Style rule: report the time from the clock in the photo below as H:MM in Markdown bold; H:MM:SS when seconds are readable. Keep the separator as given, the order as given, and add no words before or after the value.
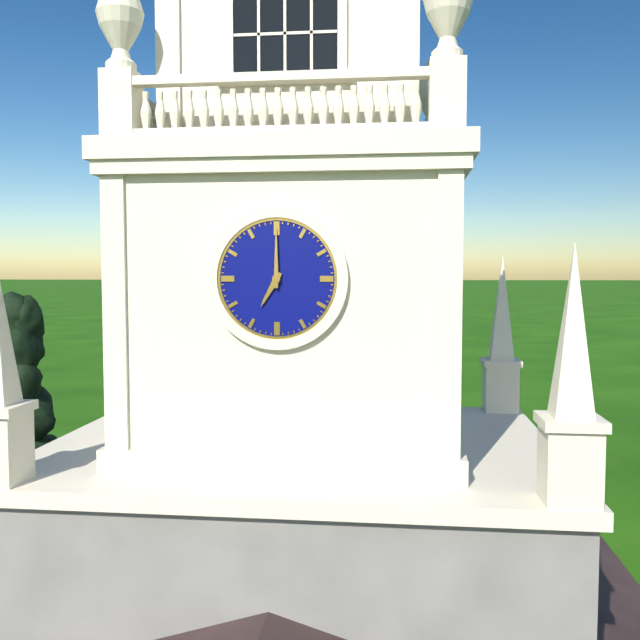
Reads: **7:00**
